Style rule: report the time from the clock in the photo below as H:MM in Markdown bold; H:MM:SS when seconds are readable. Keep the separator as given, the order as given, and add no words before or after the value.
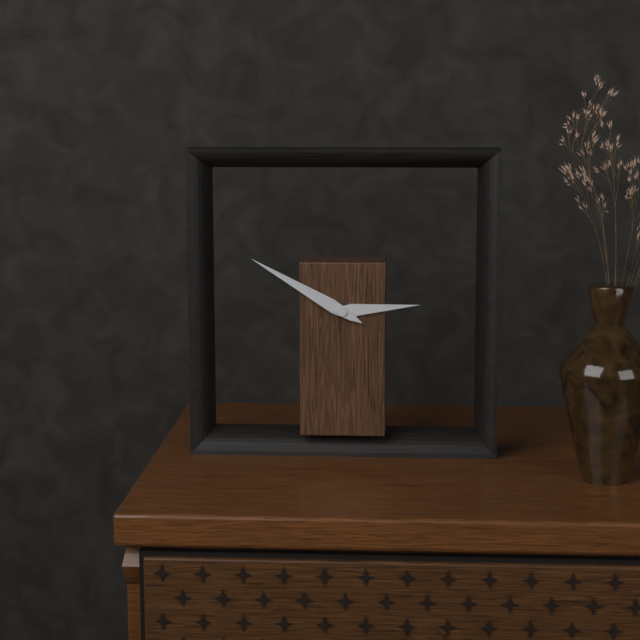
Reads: **2:50**
